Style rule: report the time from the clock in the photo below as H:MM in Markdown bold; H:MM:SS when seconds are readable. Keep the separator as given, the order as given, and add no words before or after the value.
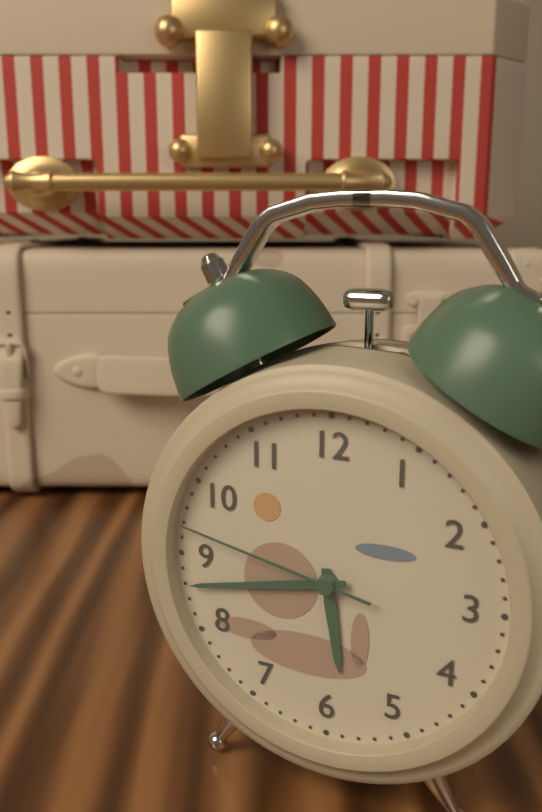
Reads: **5:43:47**
